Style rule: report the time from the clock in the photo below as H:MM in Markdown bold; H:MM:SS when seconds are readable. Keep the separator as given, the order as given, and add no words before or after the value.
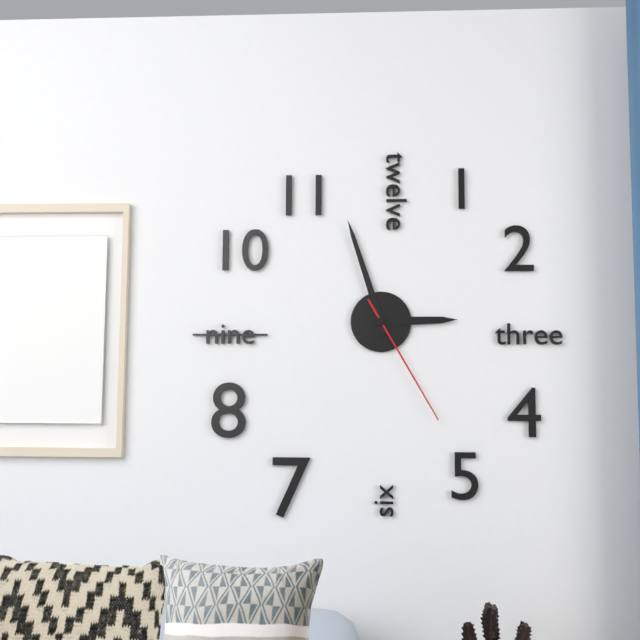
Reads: **2:57:25**
